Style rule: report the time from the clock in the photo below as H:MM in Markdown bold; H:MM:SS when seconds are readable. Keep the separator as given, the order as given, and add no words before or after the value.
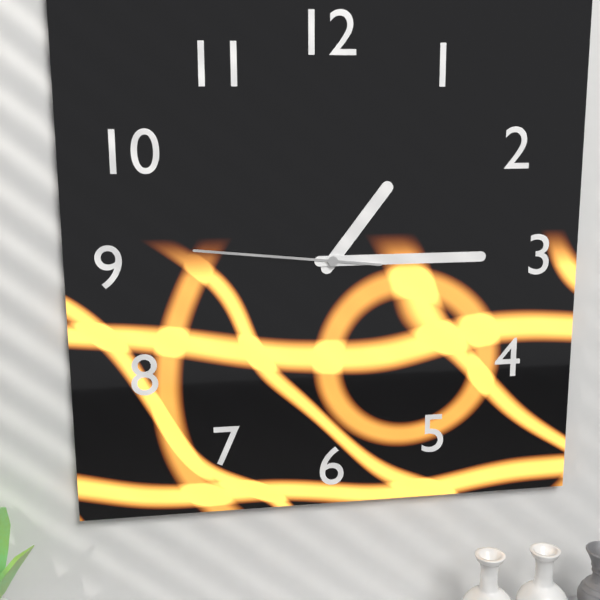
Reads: **1:15:46**
